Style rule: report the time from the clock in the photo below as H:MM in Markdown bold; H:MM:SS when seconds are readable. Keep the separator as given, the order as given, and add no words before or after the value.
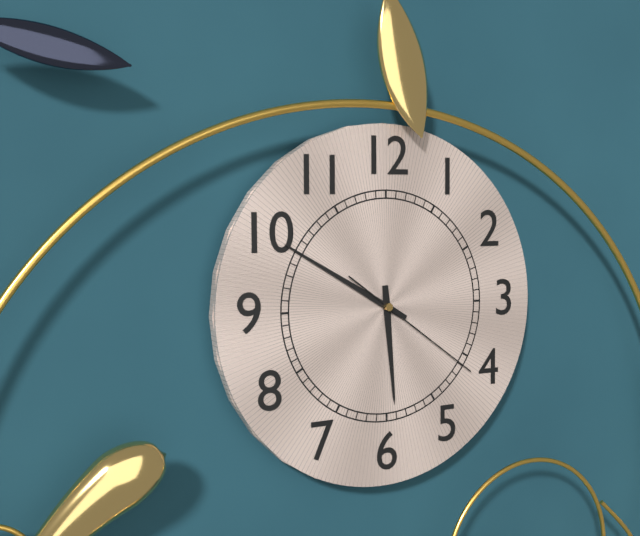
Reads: **5:50:21**
